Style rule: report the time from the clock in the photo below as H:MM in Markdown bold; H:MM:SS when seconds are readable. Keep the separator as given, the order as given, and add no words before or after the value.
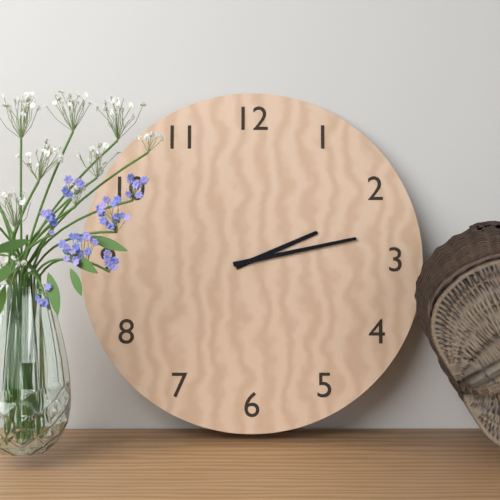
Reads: **2:13**
